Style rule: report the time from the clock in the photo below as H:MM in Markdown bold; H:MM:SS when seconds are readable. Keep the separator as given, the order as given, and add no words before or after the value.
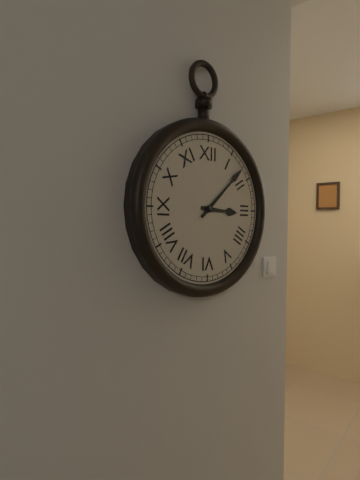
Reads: **3:08**
